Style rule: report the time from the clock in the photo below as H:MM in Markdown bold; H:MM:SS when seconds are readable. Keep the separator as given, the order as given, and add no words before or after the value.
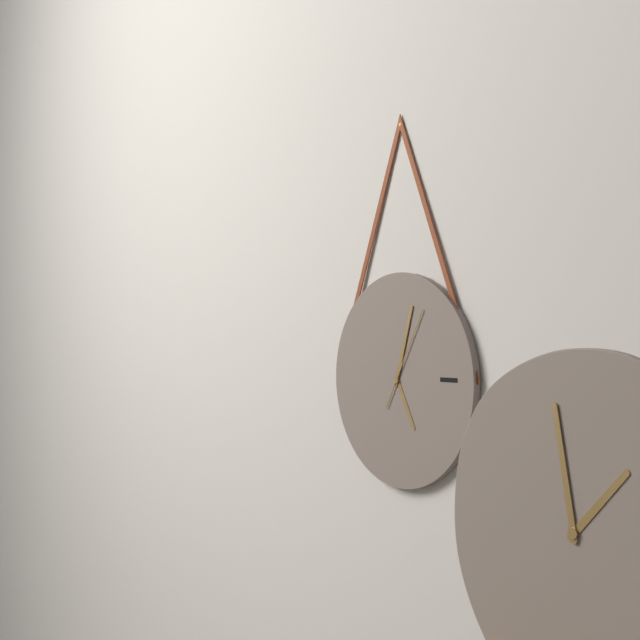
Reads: **5:03:05**
